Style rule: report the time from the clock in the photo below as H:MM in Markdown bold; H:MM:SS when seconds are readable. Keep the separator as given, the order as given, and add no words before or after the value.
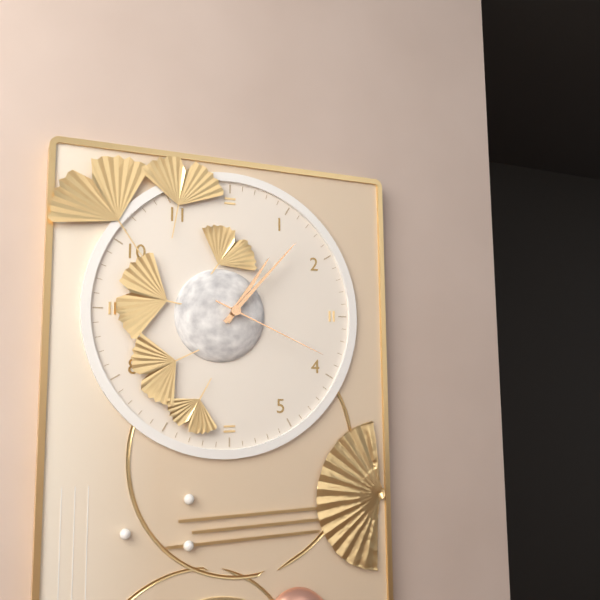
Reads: **1:07:19**
